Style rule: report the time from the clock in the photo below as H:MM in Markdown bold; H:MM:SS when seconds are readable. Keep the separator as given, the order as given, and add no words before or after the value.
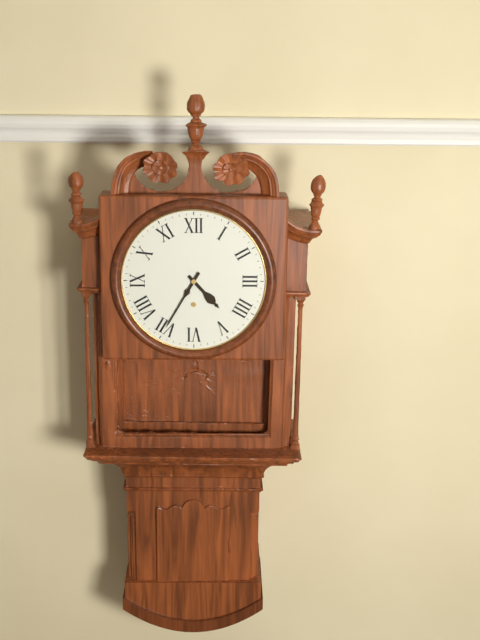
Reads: **4:35**
